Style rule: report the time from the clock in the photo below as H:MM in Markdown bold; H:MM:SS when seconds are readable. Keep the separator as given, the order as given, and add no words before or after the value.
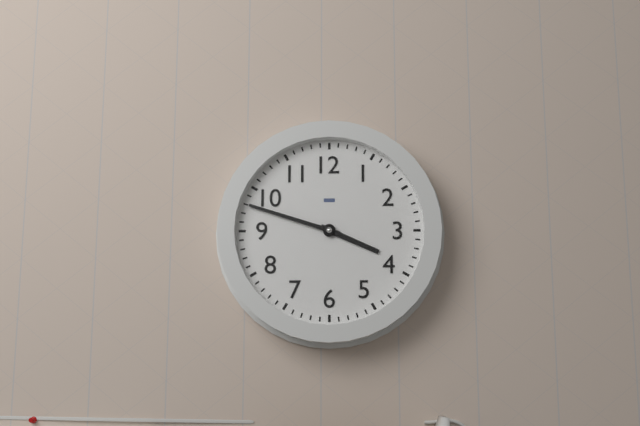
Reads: **3:48**
